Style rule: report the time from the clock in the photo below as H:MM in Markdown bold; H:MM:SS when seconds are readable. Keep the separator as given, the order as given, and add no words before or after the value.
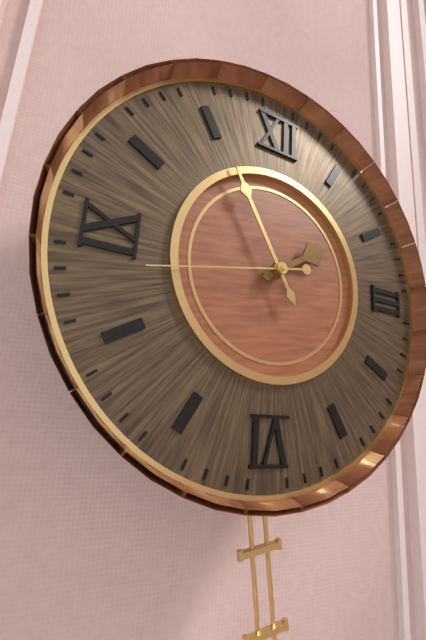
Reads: **1:55:43**
